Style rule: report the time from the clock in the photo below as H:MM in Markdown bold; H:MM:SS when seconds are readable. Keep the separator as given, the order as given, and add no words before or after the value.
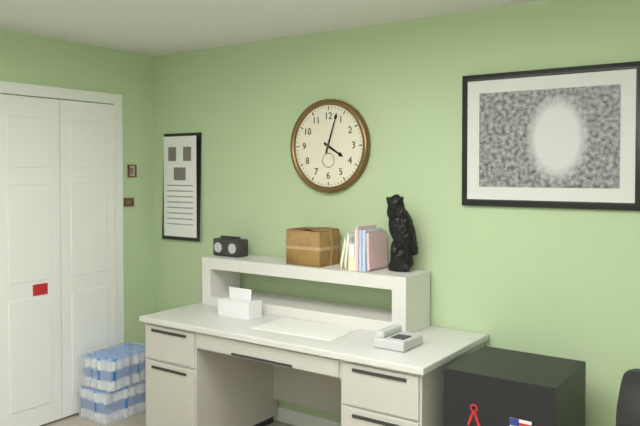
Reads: **4:03**
